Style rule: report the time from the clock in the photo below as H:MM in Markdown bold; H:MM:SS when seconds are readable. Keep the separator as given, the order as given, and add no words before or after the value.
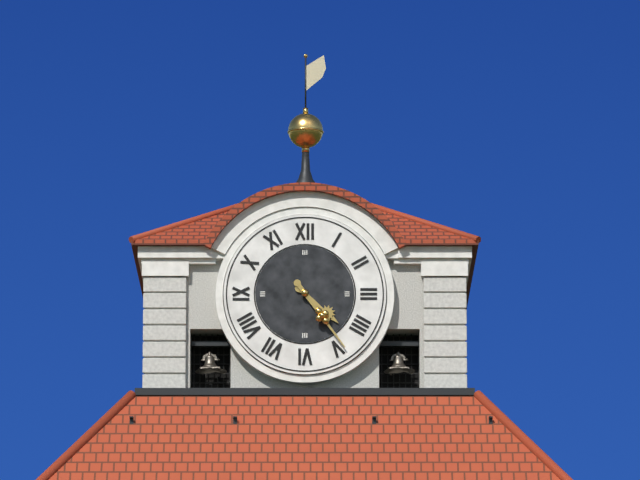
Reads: **4:24**
